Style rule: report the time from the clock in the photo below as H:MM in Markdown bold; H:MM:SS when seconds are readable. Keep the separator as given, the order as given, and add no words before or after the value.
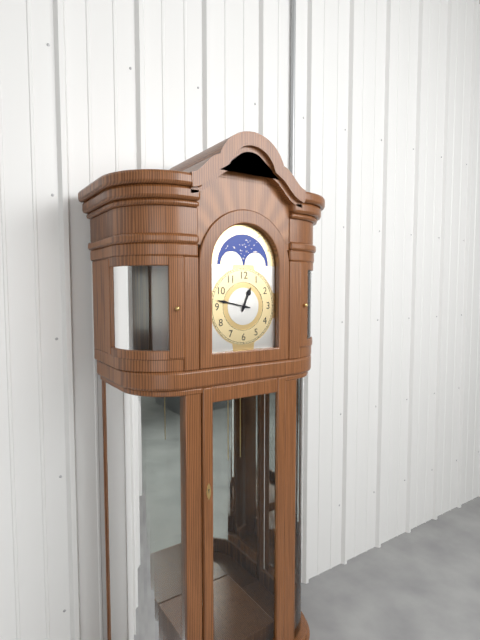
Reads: **12:47**
